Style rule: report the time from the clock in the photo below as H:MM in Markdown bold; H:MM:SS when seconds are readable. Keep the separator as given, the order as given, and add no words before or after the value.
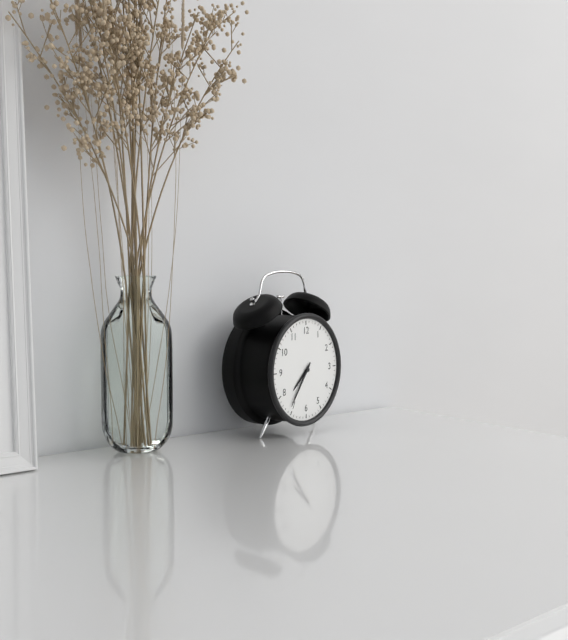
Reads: **7:36**
